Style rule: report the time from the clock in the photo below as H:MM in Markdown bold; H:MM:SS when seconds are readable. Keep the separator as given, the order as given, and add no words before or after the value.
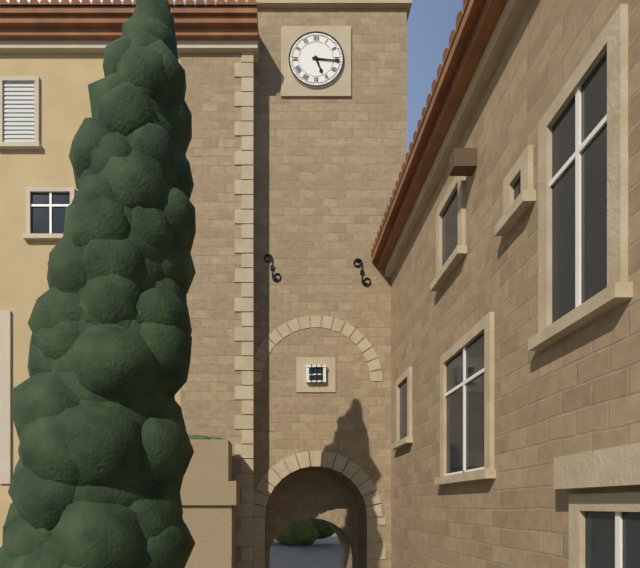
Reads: **5:16**
